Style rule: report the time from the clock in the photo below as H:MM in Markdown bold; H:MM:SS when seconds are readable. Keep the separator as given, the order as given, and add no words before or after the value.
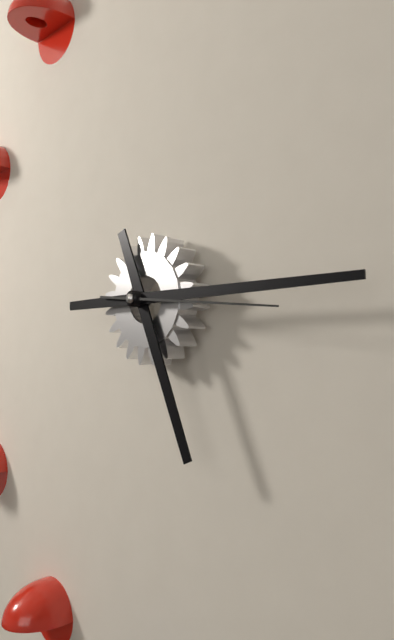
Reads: **5:15:16**
